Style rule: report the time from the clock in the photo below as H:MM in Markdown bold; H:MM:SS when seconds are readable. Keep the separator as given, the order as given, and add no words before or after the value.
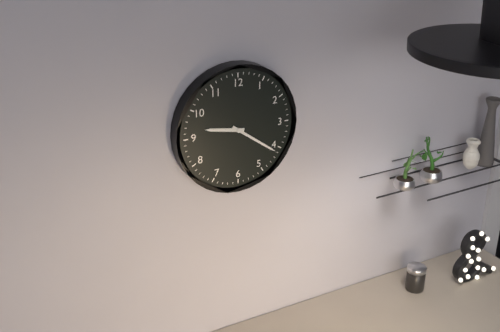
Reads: **9:21**
